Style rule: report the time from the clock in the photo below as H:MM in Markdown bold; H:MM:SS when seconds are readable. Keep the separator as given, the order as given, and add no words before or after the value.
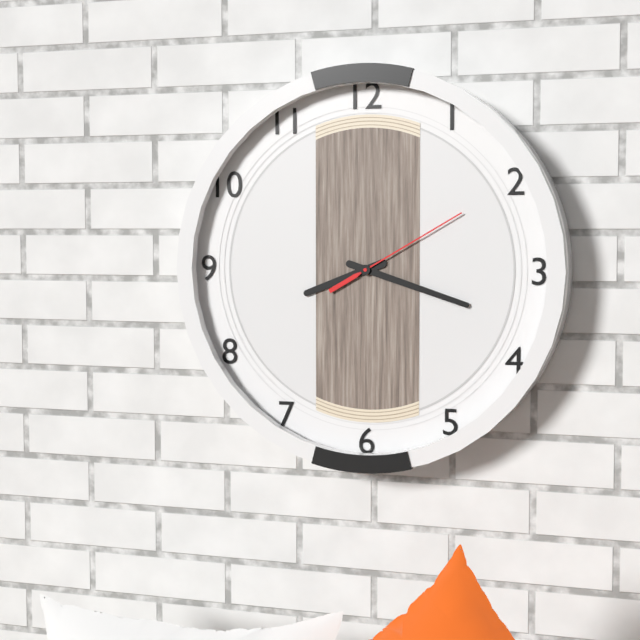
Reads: **8:18:10**
